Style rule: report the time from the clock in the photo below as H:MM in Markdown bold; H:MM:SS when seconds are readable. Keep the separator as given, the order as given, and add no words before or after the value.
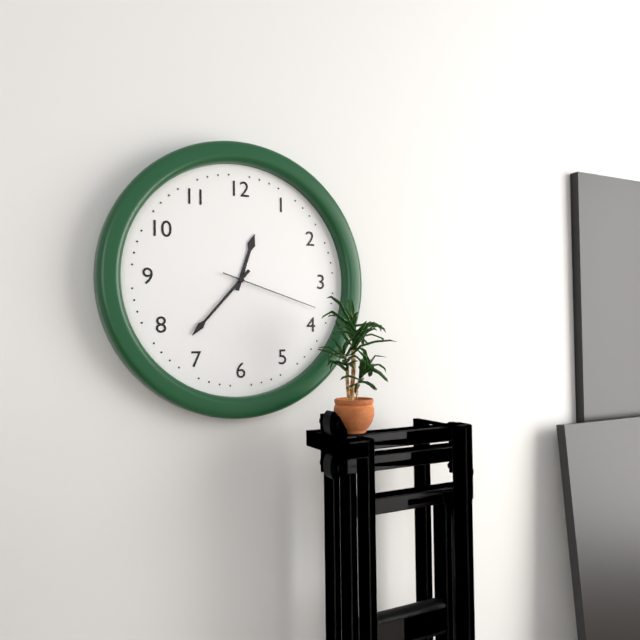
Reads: **12:37:18**
